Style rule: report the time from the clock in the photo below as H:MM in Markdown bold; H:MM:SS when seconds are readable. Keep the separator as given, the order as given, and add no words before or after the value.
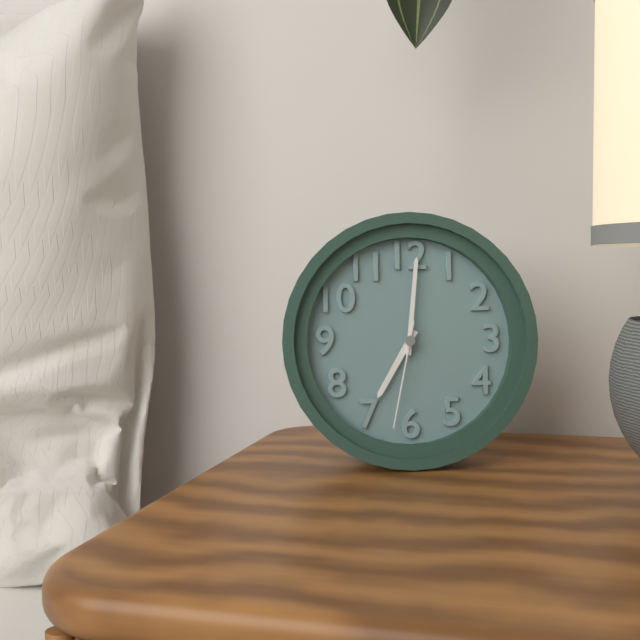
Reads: **7:01:32**
